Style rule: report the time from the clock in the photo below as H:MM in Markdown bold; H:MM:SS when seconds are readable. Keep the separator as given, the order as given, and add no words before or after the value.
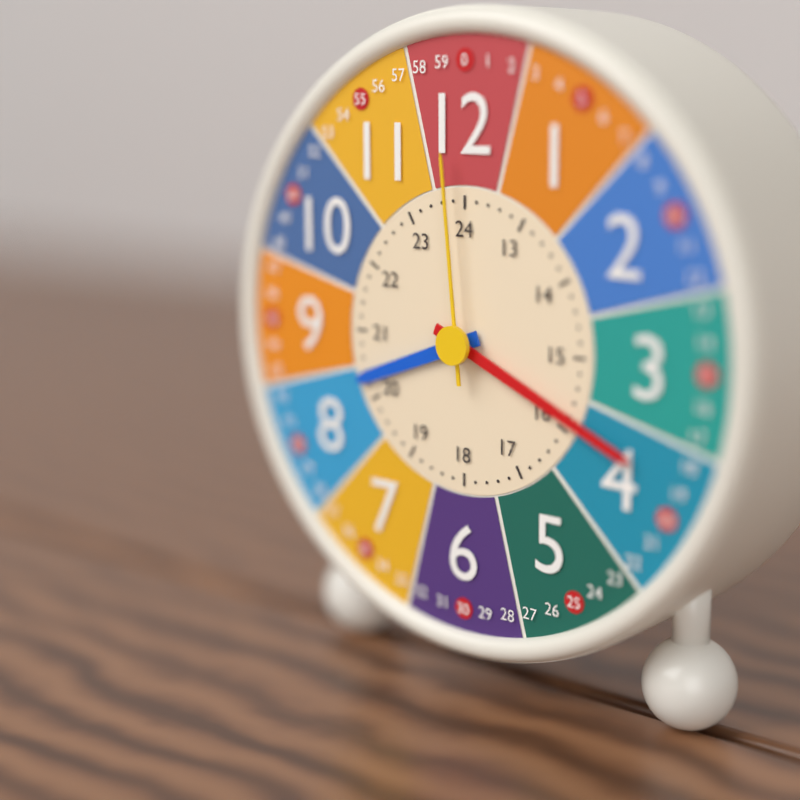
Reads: **8:19:59**
